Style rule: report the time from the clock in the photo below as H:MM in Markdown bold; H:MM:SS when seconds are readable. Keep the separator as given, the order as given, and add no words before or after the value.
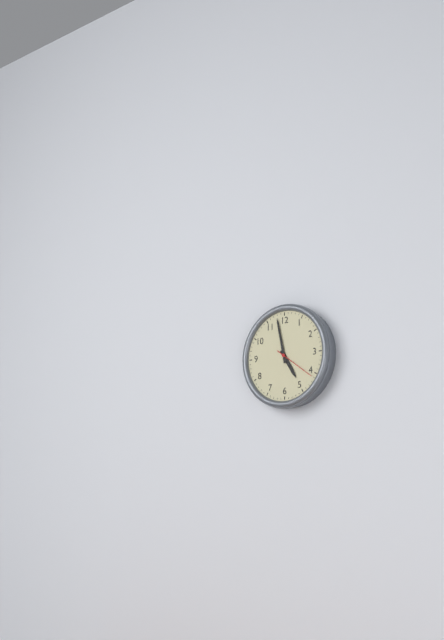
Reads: **4:58**
